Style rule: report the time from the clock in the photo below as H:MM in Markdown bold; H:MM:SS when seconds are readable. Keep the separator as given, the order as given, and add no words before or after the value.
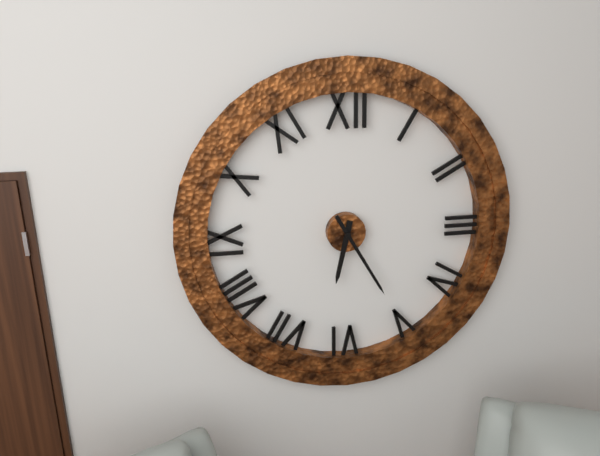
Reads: **6:25**
